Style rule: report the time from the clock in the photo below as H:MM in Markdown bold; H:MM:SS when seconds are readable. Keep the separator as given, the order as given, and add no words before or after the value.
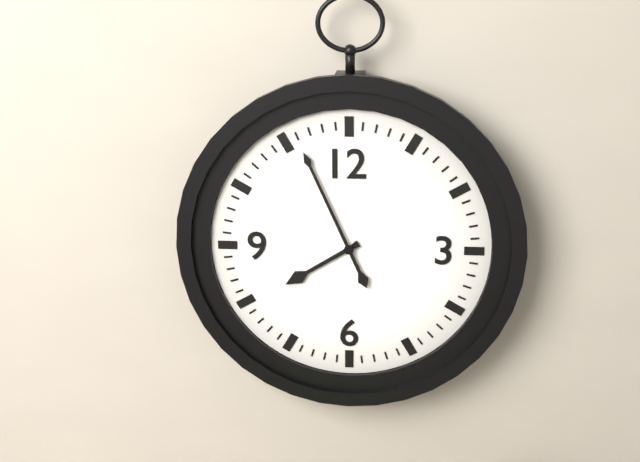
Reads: **7:56**
